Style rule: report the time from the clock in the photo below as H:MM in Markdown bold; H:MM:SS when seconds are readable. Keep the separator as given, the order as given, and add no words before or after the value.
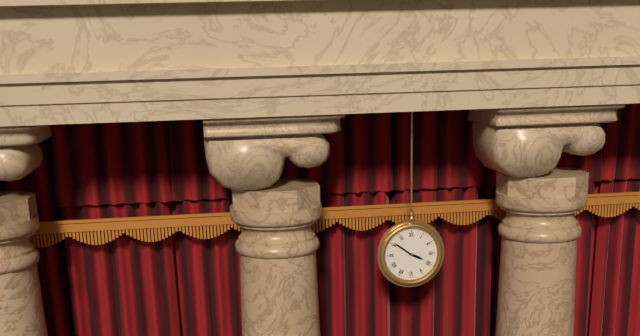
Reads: **3:51**
